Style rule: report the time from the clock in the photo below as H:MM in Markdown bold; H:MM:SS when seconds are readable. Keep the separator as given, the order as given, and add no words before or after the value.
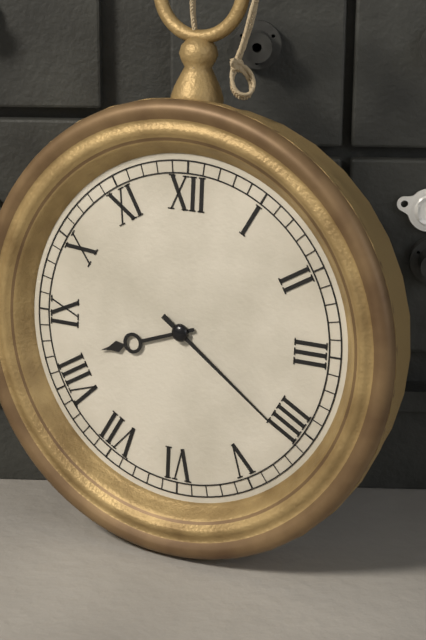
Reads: **8:21**
